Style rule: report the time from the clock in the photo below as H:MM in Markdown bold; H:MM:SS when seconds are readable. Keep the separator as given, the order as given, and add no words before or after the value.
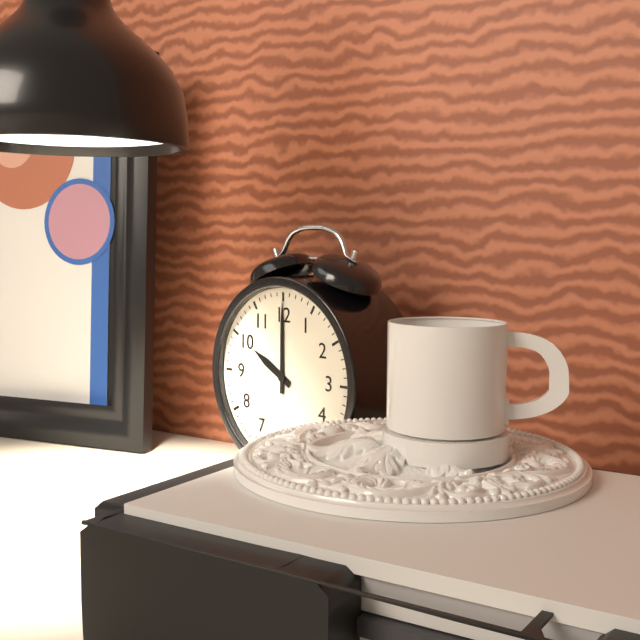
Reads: **10:00**
